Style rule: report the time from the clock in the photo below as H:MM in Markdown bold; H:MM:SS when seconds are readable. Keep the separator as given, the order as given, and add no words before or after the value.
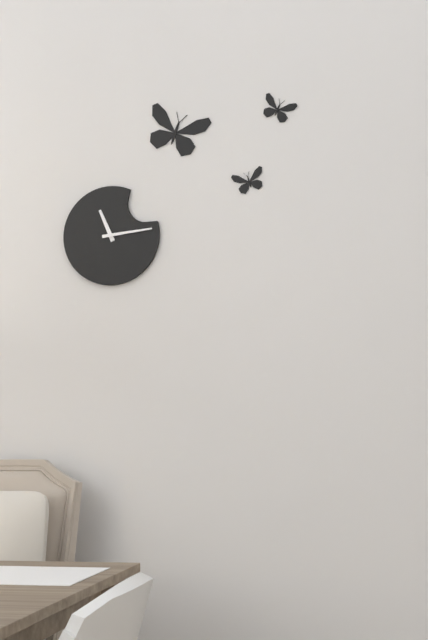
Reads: **11:14**
